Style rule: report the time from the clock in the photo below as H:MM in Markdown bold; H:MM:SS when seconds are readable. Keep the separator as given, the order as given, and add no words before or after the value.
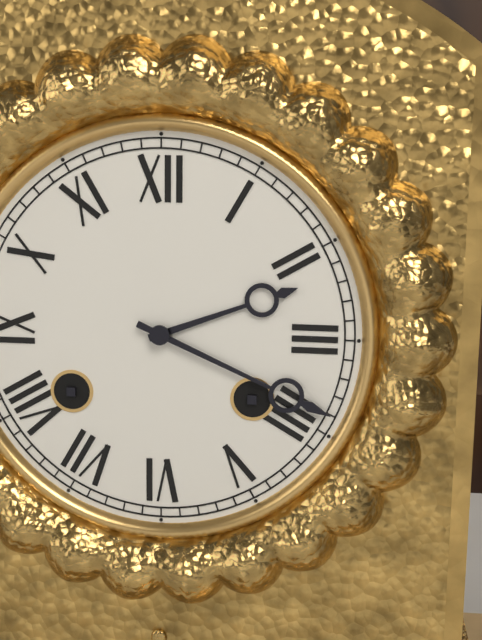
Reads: **2:19**
